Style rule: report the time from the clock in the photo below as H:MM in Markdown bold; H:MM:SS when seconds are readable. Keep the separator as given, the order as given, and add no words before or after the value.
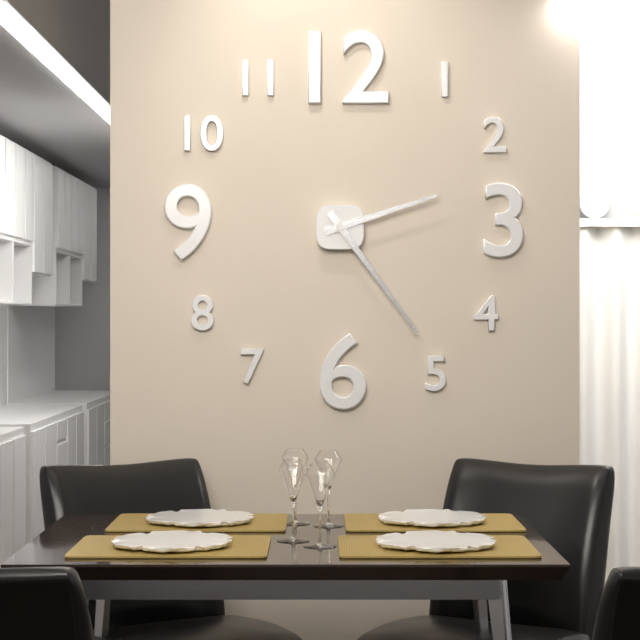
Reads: **2:24**
